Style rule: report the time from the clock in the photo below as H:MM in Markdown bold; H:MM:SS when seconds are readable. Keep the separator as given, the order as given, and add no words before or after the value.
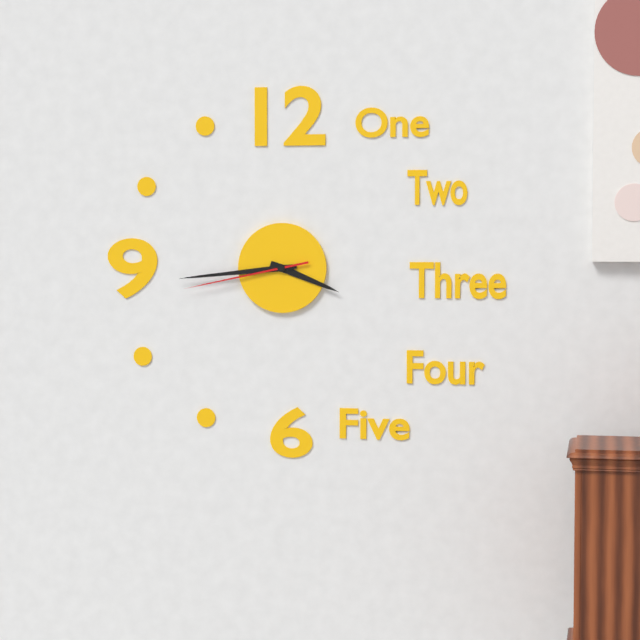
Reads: **3:44:43**
